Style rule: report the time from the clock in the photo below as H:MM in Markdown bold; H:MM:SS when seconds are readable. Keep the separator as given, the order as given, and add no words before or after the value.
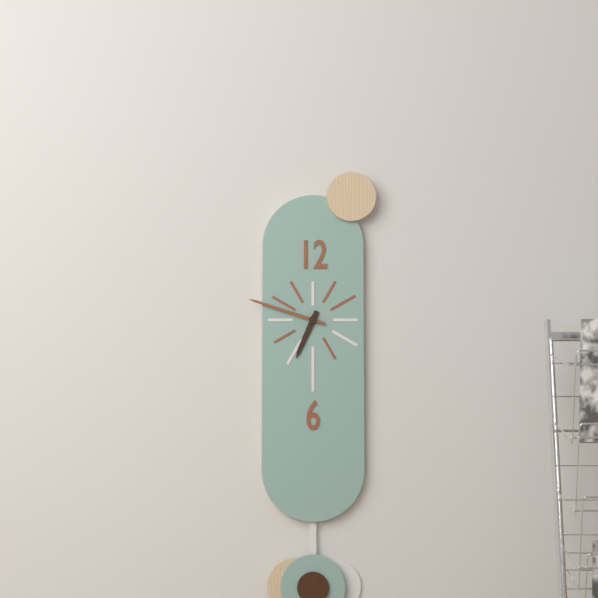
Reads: **6:48**
